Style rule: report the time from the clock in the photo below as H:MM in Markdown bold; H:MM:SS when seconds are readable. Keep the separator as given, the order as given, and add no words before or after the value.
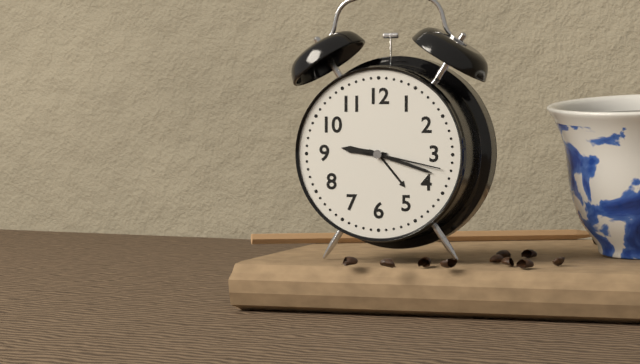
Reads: **9:18:17**
